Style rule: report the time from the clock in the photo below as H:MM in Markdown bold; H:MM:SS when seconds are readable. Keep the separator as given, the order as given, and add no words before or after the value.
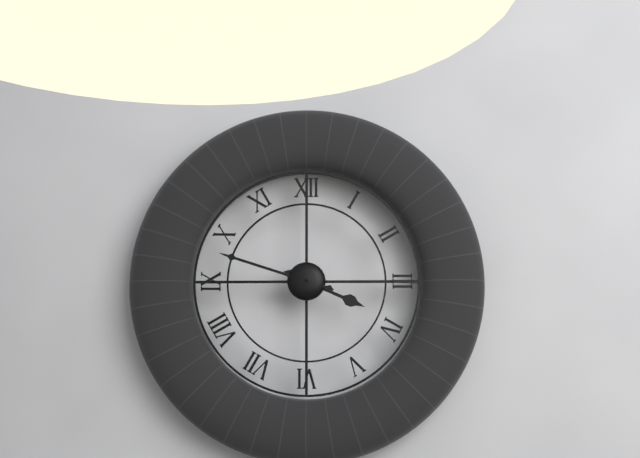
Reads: **3:48**
